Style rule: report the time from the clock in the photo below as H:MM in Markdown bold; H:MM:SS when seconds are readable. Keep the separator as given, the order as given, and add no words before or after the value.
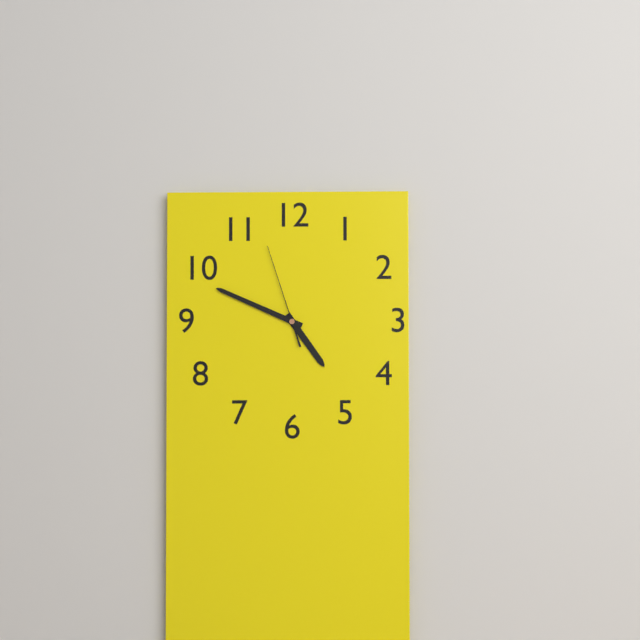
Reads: **4:49:57**
